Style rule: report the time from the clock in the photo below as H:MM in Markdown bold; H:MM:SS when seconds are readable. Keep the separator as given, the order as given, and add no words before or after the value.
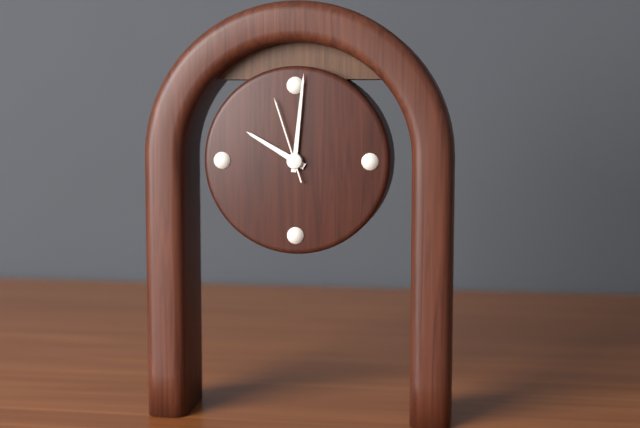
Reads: **10:01:57**
